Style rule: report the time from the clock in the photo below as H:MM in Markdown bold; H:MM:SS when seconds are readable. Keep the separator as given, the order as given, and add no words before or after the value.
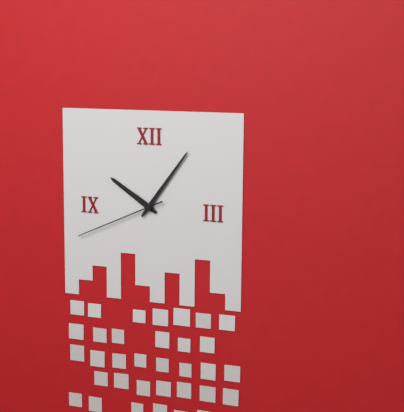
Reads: **10:06:41**
